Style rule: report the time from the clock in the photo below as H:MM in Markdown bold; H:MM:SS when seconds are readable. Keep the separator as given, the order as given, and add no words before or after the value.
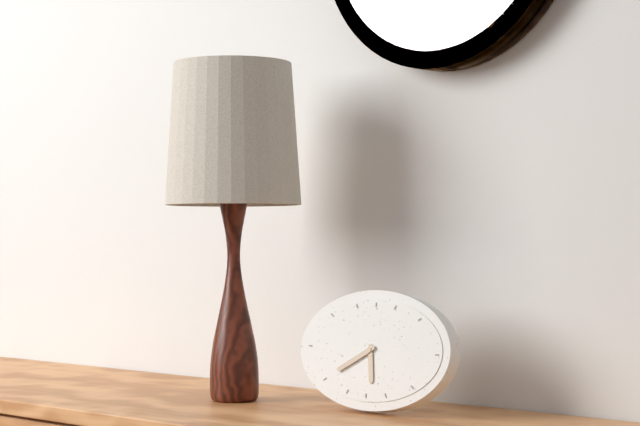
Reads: **5:40**
